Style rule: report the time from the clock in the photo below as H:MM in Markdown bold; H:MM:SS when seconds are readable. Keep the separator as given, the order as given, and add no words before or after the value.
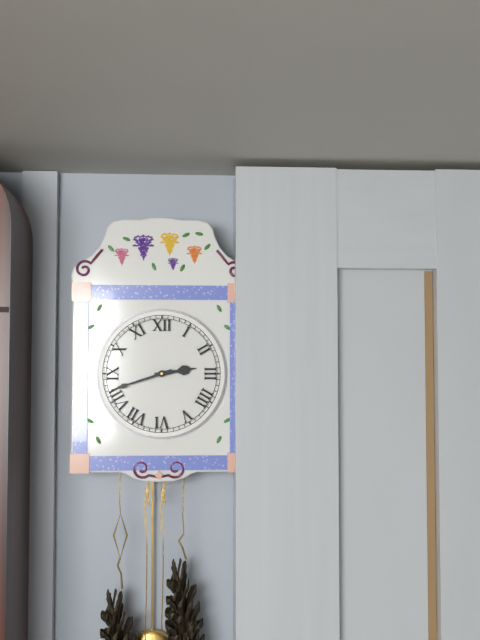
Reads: **2:42**
